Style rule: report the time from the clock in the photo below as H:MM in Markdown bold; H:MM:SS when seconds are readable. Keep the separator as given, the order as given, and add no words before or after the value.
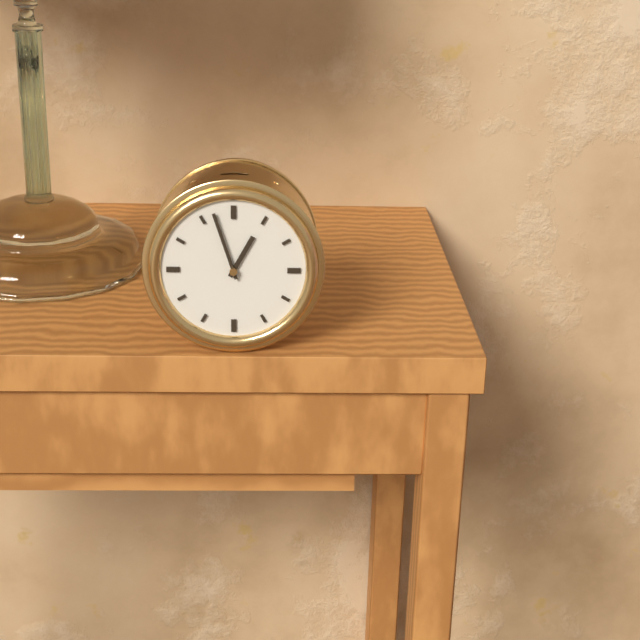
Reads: **12:57**
